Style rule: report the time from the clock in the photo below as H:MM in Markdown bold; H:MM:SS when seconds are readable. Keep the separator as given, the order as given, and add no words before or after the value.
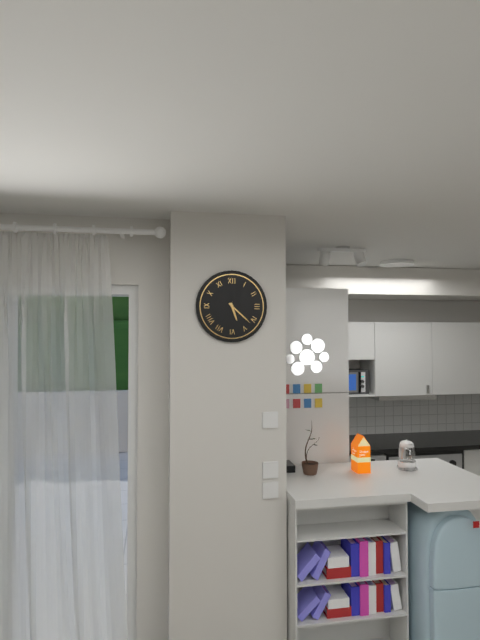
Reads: **5:22**
